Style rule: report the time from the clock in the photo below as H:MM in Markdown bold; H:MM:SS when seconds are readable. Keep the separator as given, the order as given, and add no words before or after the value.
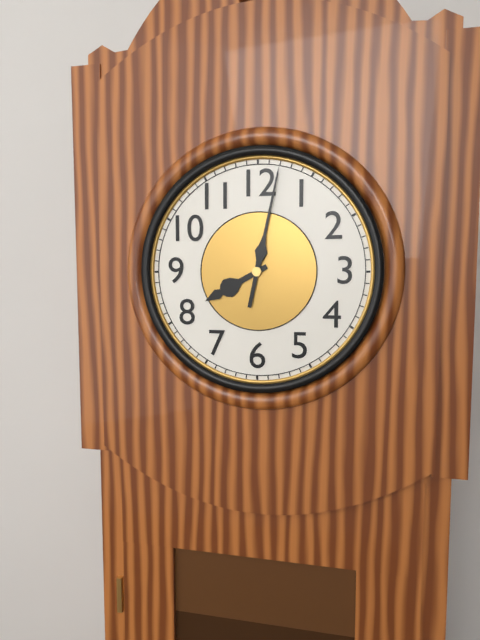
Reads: **8:02**
